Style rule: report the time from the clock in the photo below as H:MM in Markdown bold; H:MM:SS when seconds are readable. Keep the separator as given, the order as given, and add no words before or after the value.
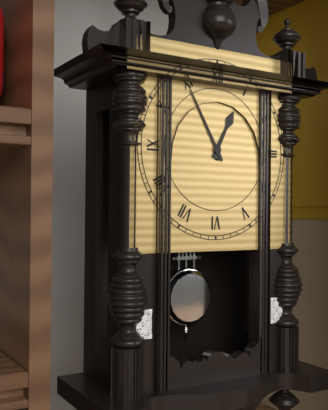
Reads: **12:55**
